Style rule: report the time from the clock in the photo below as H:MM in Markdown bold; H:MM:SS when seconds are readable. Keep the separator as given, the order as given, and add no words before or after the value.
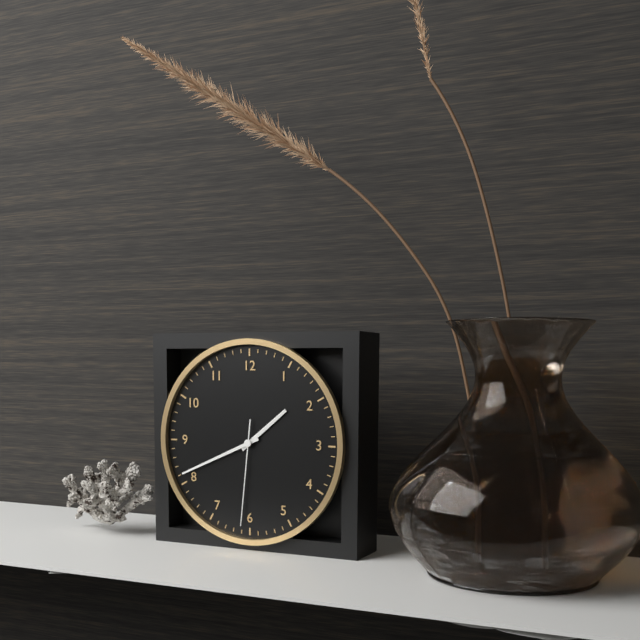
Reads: **1:41:31**
